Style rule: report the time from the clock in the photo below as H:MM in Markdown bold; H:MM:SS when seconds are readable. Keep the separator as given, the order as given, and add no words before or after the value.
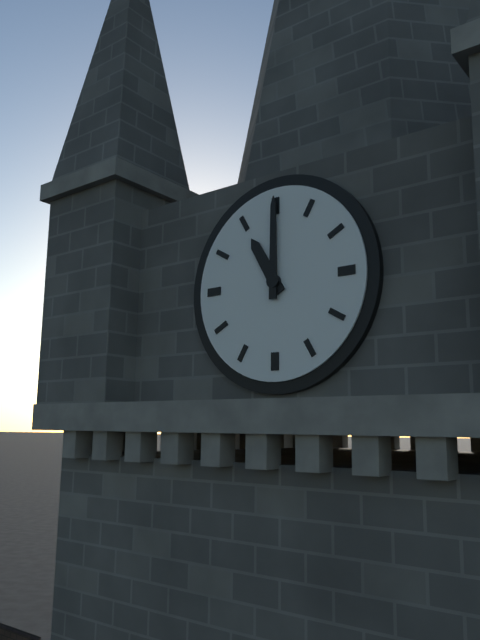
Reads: **11:00**
